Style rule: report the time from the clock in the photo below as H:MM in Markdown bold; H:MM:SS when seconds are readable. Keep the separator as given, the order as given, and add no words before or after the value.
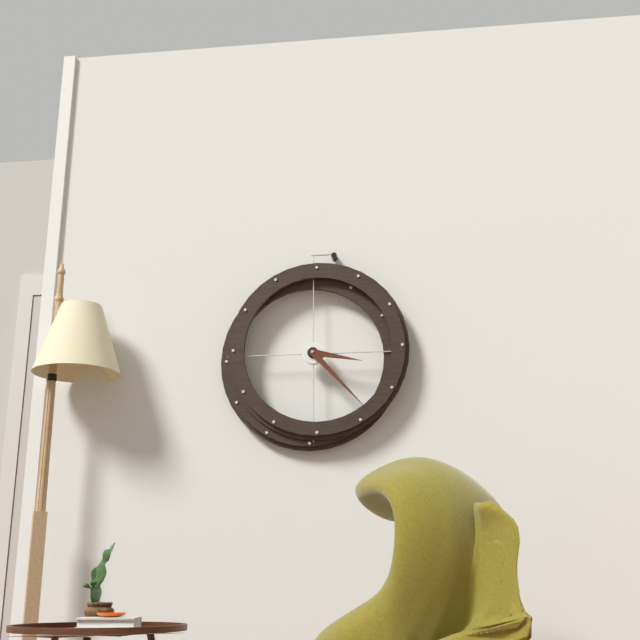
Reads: **3:23**
